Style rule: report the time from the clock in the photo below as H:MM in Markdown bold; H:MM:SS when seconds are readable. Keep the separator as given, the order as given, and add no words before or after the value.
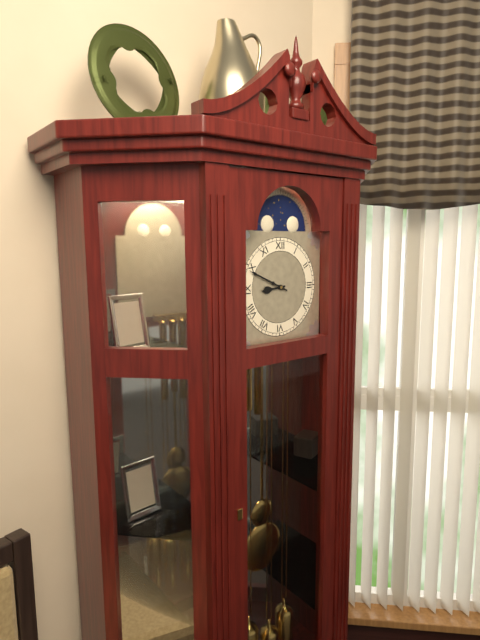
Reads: **8:49**
